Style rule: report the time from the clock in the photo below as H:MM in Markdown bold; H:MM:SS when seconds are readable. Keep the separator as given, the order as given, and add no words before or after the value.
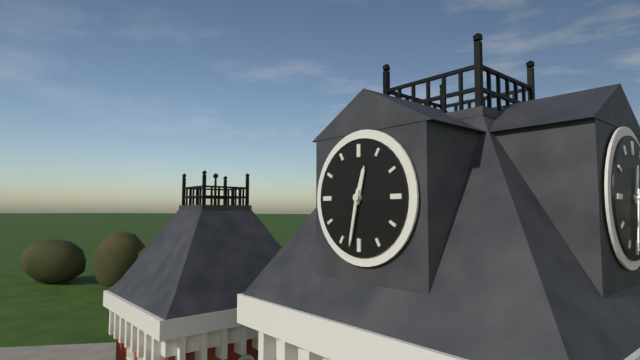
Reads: **12:32**
